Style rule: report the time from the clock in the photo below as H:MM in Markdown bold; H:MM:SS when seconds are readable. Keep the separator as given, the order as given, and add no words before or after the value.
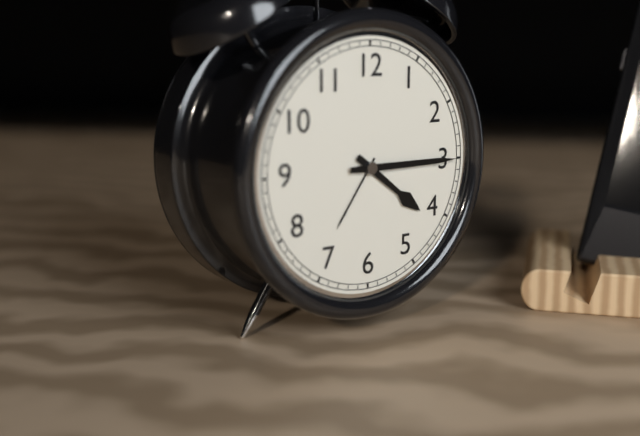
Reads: **4:15**
